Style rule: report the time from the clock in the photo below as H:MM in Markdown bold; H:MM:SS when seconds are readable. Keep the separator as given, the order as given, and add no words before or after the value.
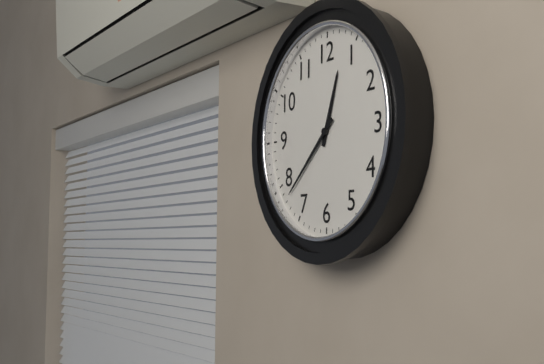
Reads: **12:38**
